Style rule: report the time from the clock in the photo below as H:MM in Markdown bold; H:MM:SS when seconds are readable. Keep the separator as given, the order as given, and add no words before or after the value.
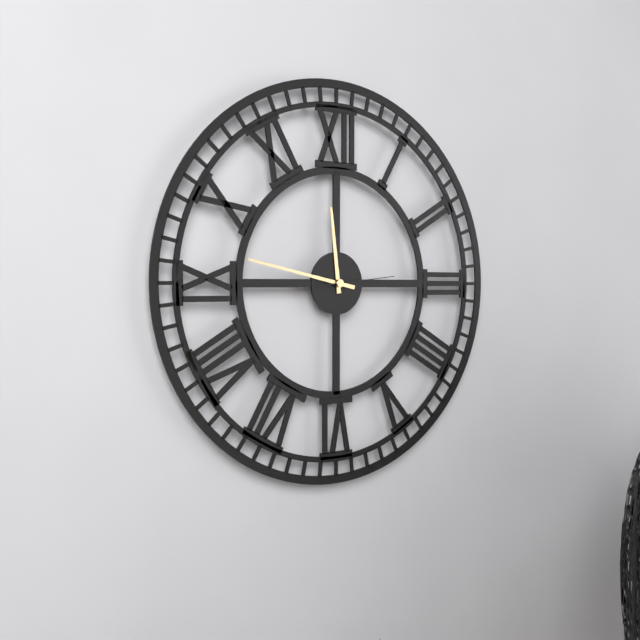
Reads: **11:47:14**
